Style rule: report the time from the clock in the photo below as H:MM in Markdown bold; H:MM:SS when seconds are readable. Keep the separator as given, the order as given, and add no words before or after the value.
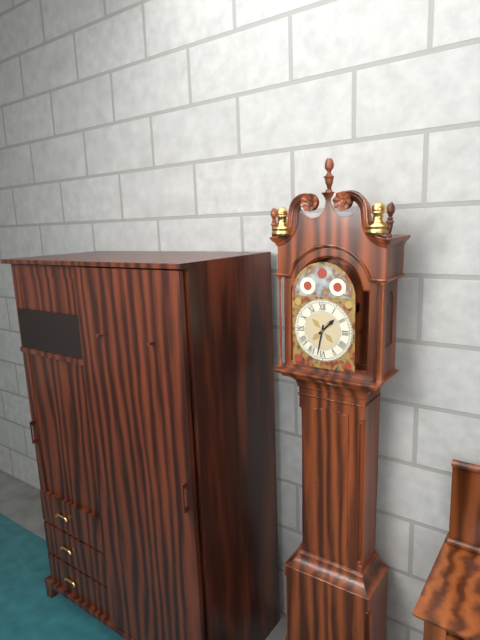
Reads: **1:32**
